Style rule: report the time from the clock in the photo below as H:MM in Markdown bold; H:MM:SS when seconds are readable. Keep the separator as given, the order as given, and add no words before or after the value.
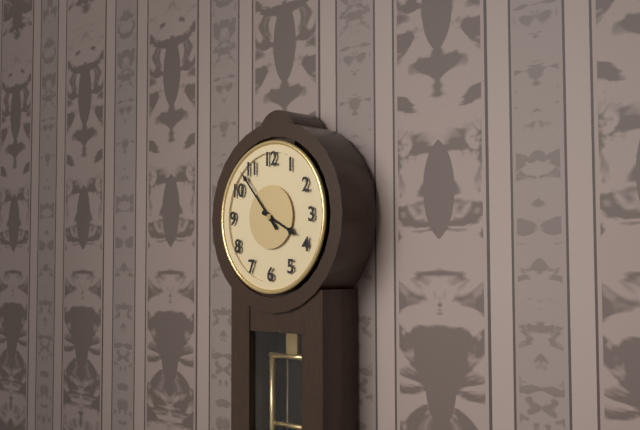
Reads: **3:53**
